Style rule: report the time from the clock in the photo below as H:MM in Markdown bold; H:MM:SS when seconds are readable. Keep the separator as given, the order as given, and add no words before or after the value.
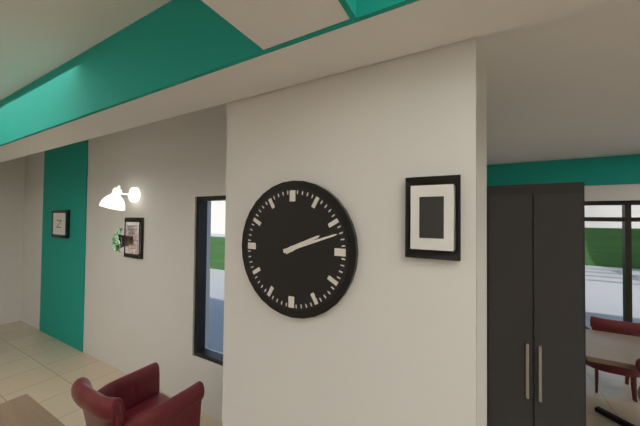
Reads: **2:12**
